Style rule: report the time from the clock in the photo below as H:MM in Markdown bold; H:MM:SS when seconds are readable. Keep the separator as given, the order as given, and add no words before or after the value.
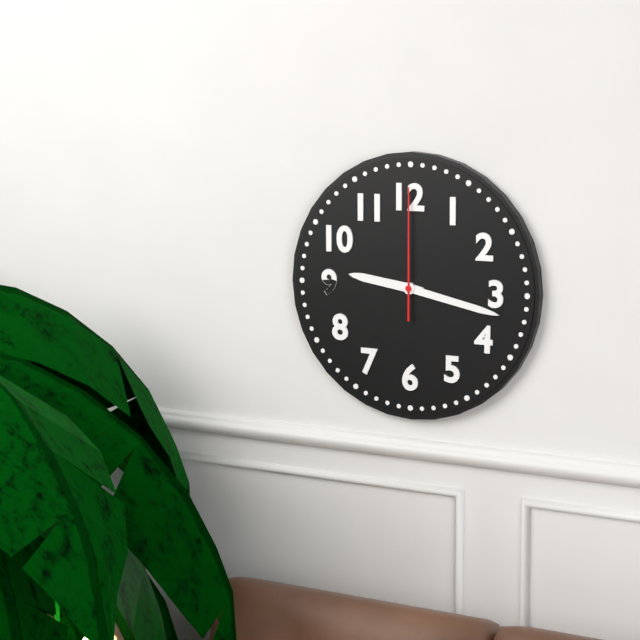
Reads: **9:17:00**
